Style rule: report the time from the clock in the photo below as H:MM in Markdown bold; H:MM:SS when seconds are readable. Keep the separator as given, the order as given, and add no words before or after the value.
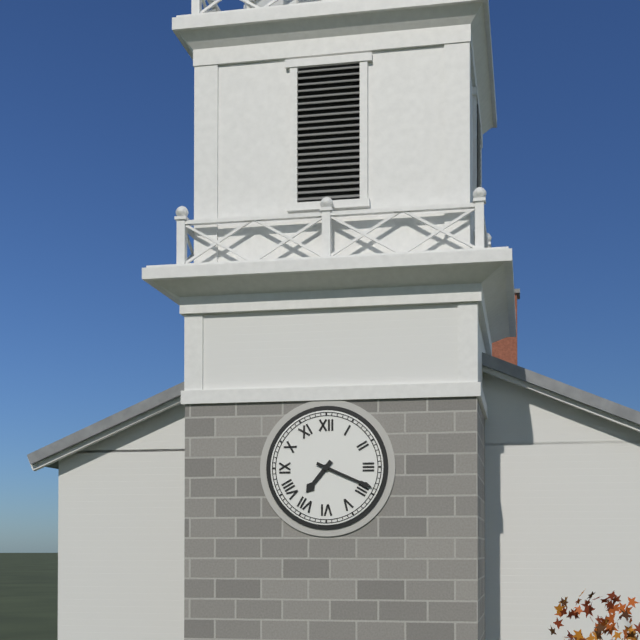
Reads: **7:19**
